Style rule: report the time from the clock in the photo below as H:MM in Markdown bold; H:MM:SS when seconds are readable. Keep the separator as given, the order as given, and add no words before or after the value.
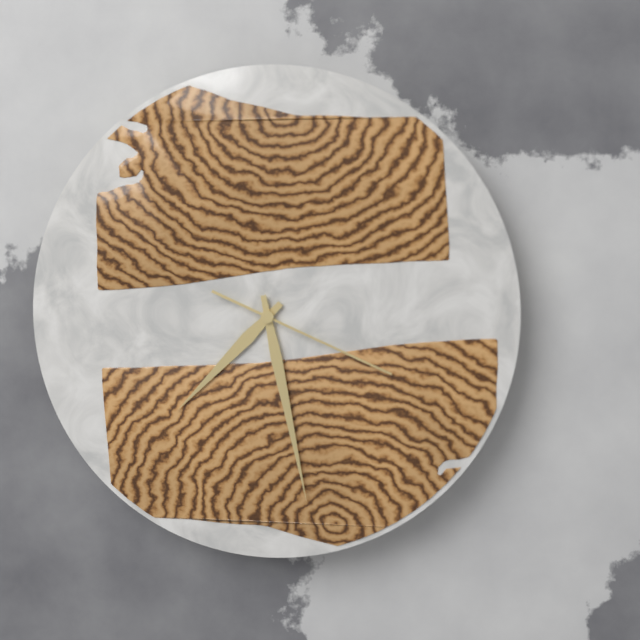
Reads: **7:28:19**
